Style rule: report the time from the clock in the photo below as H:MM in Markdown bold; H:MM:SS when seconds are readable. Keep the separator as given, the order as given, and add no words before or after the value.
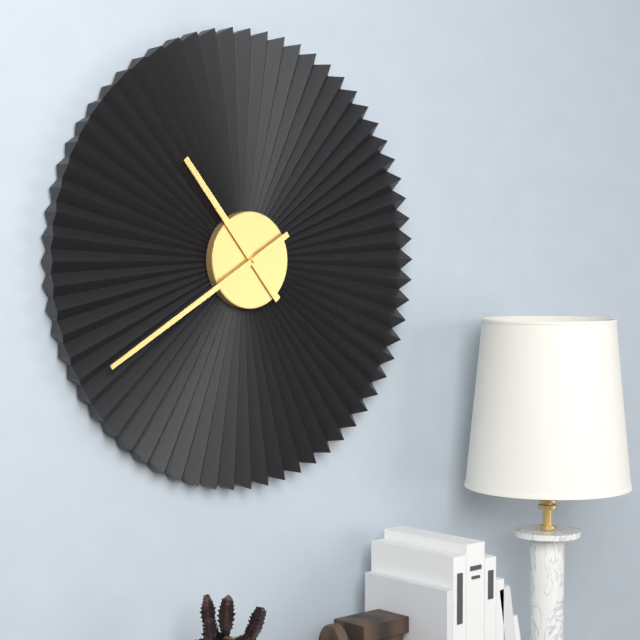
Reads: **10:40**
